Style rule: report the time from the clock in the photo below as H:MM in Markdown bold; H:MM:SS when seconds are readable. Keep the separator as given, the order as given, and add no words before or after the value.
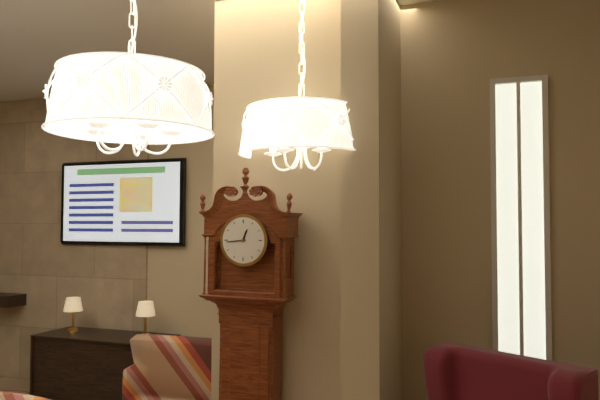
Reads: **12:44**
